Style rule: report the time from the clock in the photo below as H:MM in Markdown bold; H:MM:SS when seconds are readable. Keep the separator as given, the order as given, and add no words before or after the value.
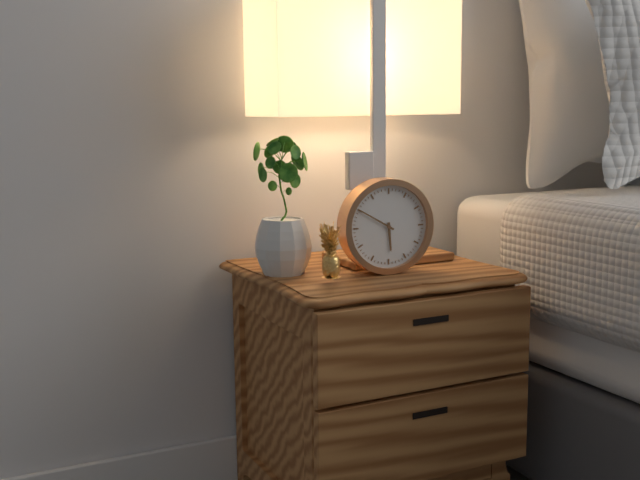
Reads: **5:50**
